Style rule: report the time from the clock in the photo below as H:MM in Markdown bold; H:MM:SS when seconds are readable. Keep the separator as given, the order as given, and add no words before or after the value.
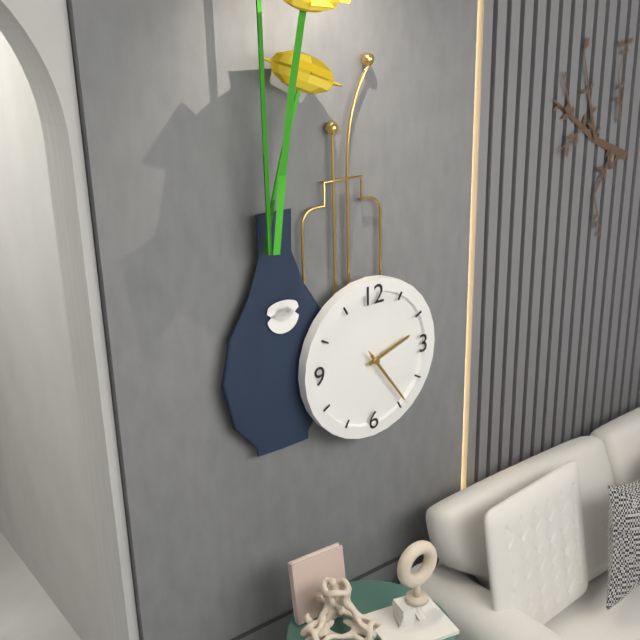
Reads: **2:24:24**
